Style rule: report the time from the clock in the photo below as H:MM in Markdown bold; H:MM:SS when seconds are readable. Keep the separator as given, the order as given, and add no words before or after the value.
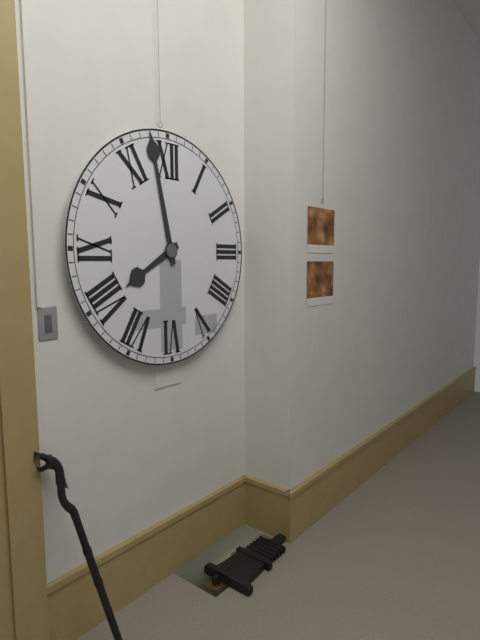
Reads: **7:58**
